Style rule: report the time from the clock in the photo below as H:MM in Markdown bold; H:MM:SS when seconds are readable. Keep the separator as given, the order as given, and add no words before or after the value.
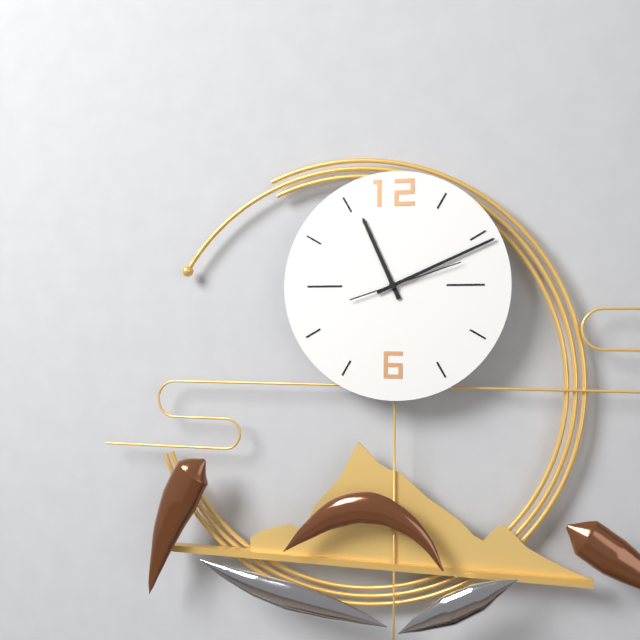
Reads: **11:11:12**
